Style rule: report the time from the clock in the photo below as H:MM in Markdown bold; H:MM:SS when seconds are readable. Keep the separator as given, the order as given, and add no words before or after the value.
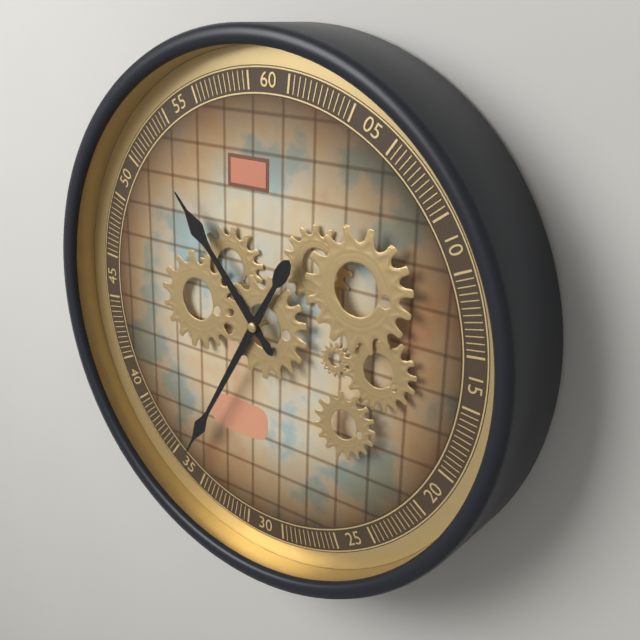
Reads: **10:35**
